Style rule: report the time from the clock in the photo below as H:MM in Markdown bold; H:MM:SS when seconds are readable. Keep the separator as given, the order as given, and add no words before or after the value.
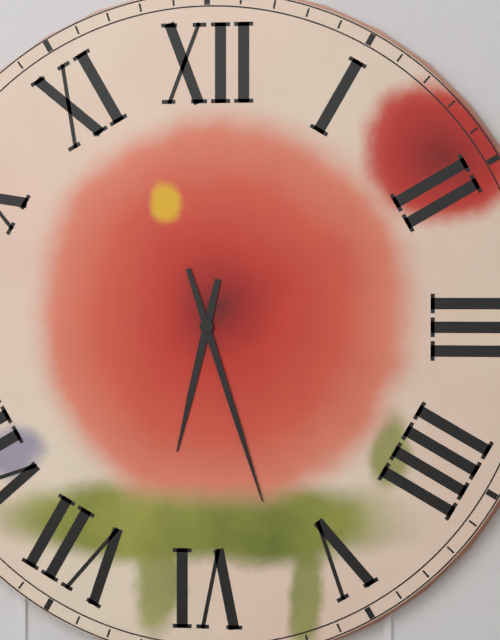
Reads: **6:27**
